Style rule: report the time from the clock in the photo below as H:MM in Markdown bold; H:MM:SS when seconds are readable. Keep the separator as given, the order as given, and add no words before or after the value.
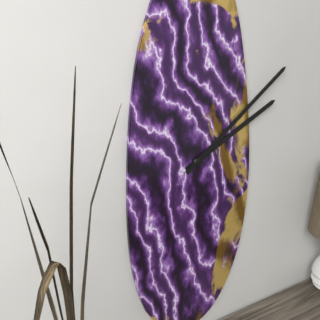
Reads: **2:09**
